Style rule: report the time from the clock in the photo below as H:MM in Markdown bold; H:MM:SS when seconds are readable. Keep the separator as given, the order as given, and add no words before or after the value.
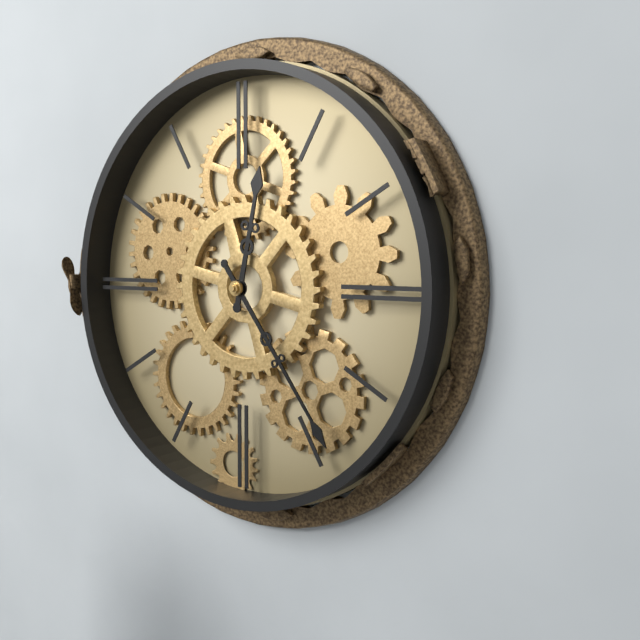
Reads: **12:24**
